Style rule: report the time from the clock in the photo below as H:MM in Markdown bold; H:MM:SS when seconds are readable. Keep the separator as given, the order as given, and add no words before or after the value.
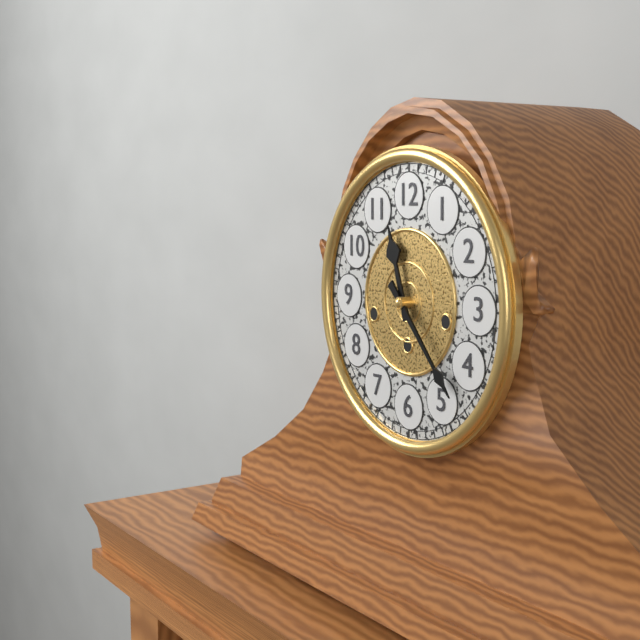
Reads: **11:23**
